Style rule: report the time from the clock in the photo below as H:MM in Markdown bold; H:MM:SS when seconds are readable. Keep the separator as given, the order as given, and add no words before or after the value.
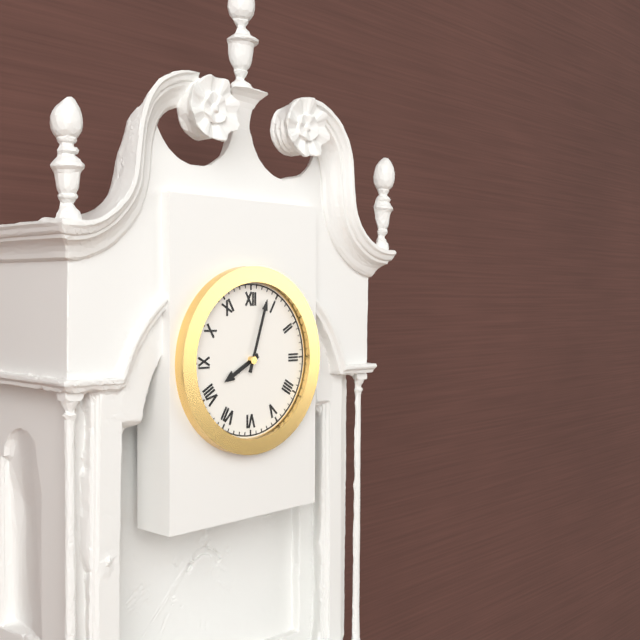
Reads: **8:03**
